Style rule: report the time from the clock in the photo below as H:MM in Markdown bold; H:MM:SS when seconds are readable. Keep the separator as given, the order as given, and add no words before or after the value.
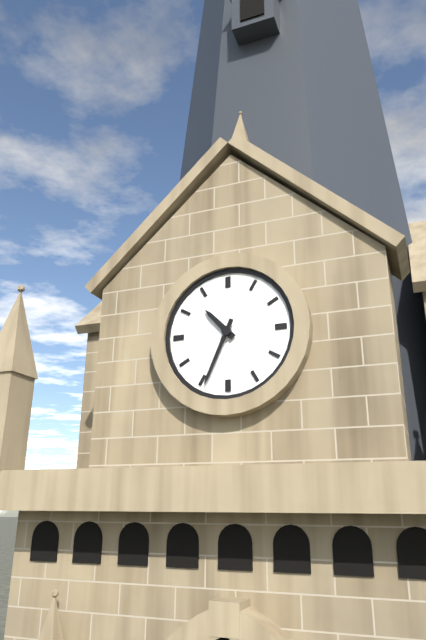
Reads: **10:34**
